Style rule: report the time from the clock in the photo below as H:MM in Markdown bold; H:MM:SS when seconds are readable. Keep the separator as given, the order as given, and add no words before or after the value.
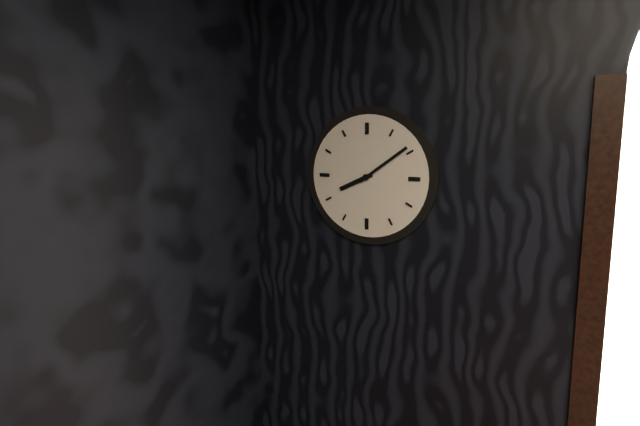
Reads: **8:09**
